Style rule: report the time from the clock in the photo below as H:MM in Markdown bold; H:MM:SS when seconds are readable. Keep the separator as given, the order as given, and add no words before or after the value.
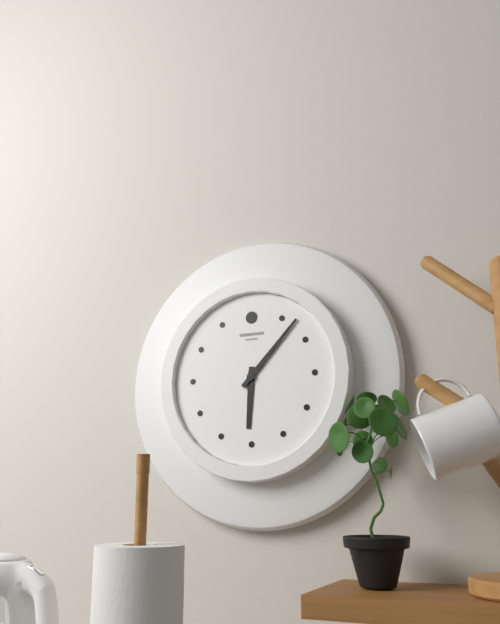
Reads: **6:07**
